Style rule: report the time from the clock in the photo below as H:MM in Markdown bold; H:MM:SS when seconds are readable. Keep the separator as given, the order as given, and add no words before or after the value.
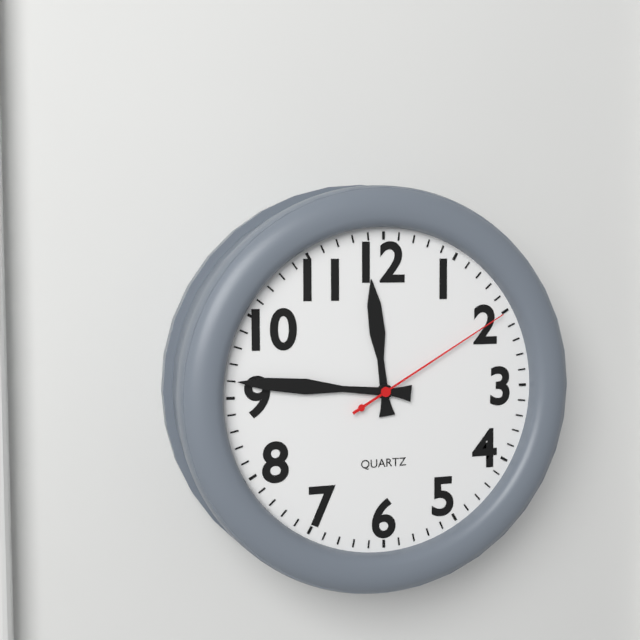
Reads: **11:46:10**
